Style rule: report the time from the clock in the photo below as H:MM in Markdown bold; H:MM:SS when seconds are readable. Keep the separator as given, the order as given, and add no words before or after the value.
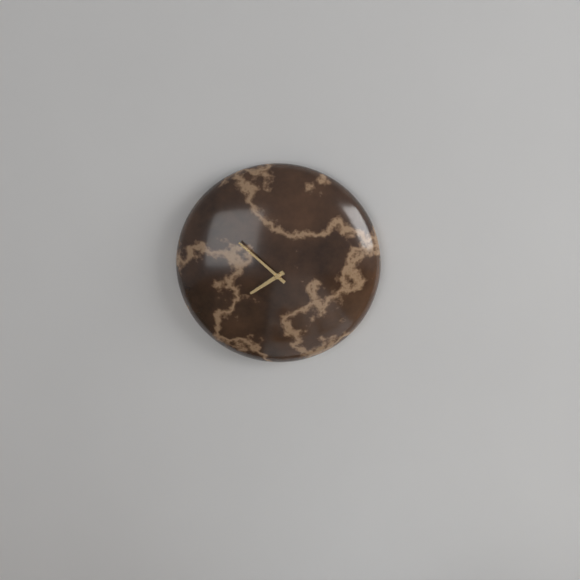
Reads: **7:52**
